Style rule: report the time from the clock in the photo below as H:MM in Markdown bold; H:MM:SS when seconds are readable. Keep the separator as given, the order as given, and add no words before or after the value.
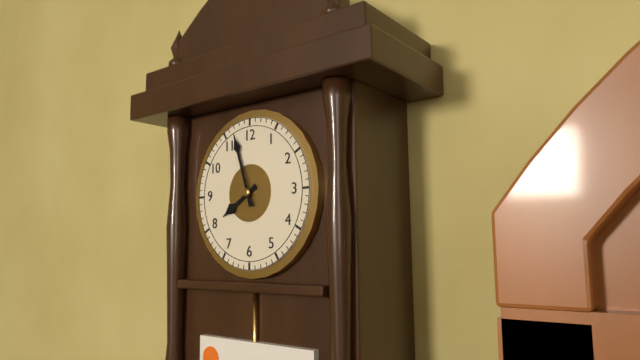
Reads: **7:57**
